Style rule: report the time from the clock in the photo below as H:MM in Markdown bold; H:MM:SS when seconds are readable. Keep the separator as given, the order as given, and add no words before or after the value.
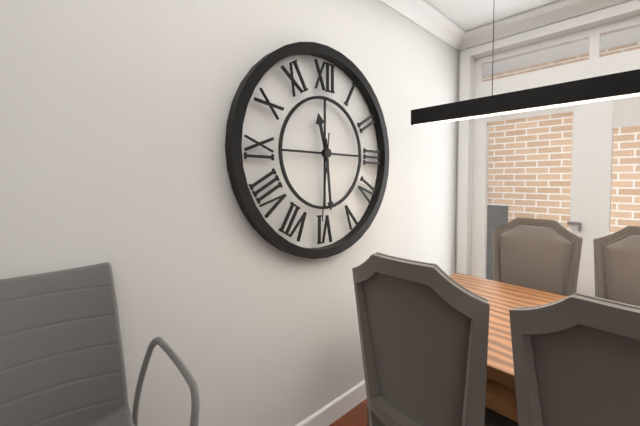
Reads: **11:29:31**
